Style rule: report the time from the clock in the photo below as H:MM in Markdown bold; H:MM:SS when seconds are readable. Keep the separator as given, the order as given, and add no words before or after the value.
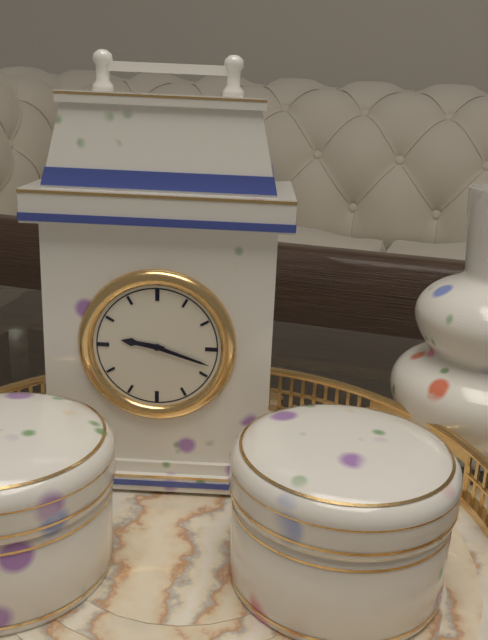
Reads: **9:18**
